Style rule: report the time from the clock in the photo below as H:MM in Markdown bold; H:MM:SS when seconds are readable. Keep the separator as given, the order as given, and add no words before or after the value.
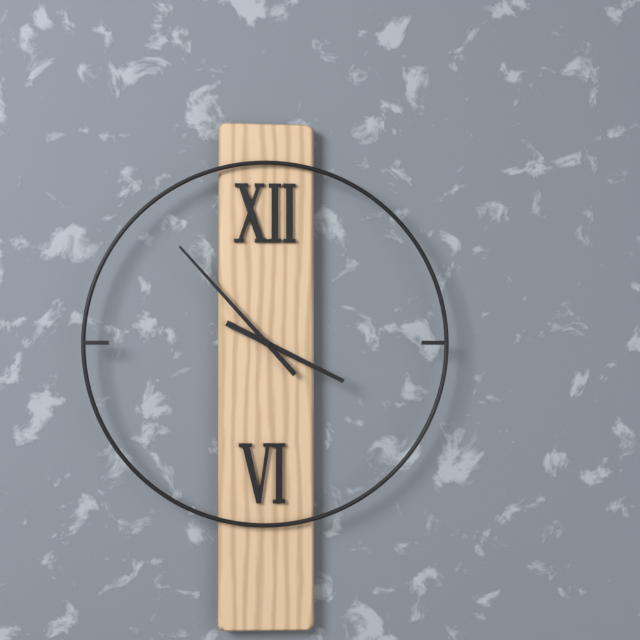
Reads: **3:53**
